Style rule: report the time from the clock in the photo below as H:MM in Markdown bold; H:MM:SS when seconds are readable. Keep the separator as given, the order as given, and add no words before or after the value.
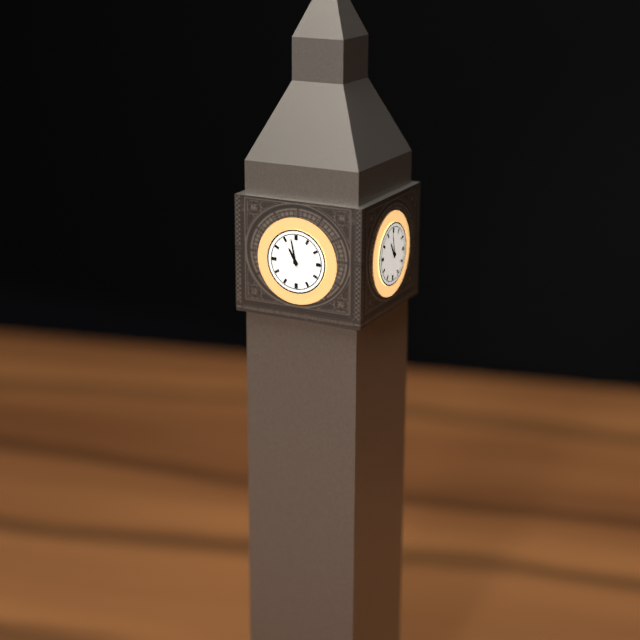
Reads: **10:58**
